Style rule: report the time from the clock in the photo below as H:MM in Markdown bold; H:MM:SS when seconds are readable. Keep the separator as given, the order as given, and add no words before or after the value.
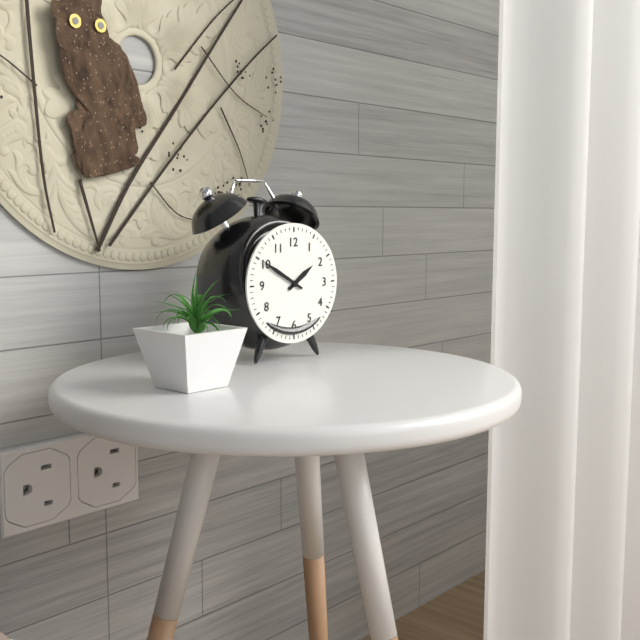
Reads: **1:50**
